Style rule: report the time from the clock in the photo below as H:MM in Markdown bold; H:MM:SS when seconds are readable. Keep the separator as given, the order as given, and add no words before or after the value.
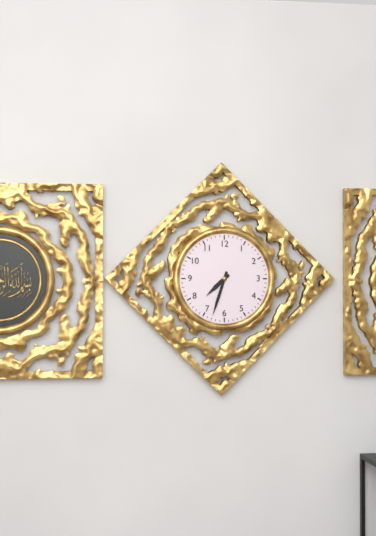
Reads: **7:33**
